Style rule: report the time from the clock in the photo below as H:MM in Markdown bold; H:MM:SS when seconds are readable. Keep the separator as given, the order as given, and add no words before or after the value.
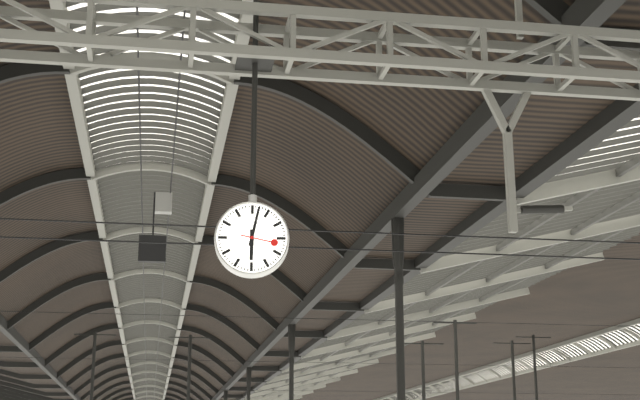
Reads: **6:02**
